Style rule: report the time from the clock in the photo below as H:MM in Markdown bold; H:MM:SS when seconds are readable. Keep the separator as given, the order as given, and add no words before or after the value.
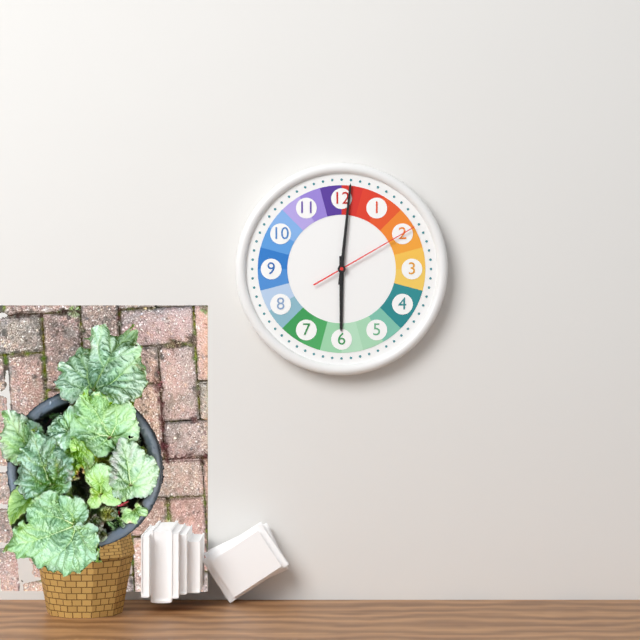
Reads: **6:01:10**
